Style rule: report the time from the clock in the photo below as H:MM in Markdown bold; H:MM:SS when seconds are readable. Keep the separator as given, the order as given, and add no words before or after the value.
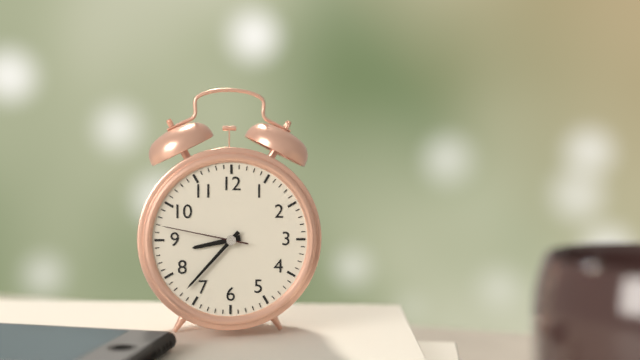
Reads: **8:37:47**
